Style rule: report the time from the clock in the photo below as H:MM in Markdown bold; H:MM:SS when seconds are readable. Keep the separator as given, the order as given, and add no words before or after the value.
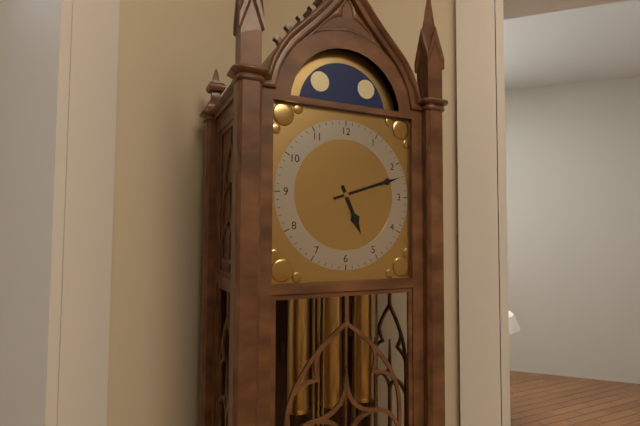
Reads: **5:12**
